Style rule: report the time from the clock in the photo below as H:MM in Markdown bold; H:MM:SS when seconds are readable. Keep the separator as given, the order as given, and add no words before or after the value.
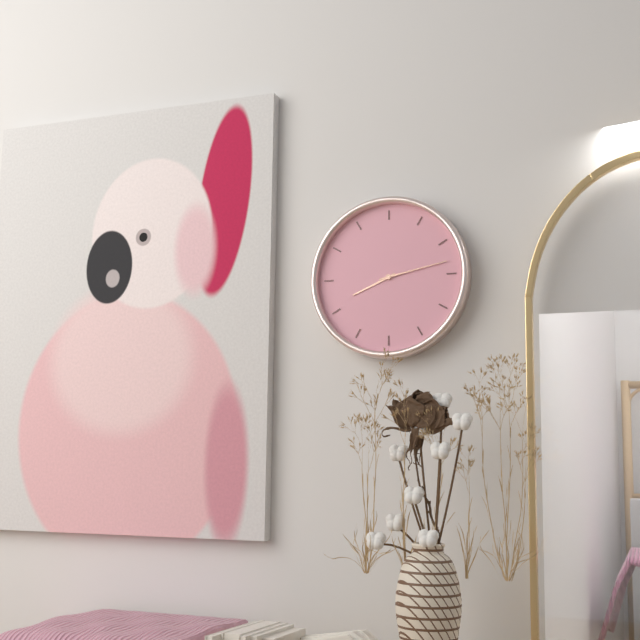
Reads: **8:13**
